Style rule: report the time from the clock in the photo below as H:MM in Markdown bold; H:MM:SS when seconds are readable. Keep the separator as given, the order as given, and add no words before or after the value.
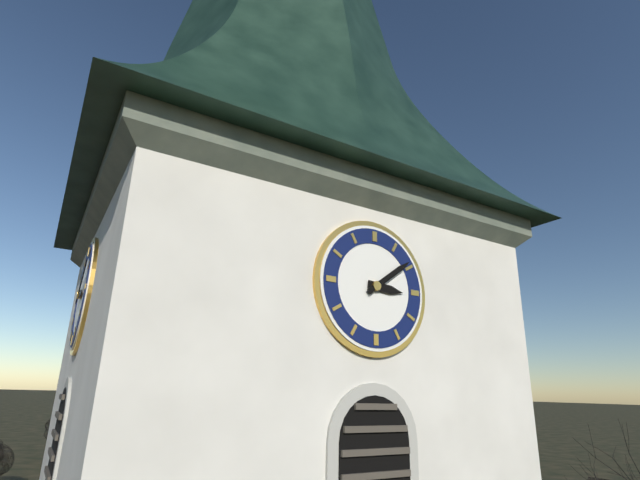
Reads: **3:09**
